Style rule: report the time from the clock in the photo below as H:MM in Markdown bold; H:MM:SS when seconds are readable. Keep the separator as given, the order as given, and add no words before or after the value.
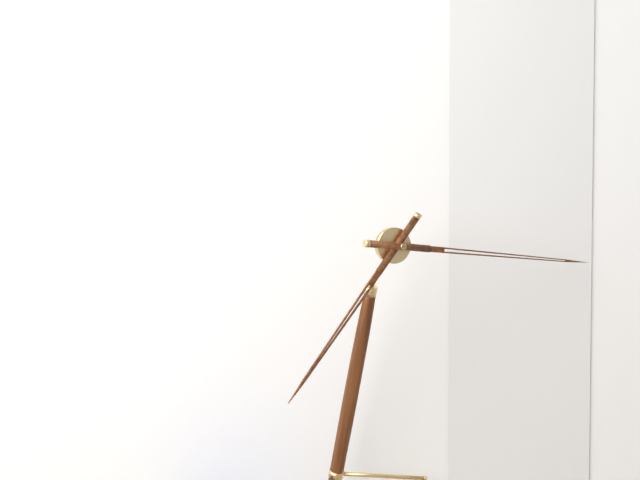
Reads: **7:16**
